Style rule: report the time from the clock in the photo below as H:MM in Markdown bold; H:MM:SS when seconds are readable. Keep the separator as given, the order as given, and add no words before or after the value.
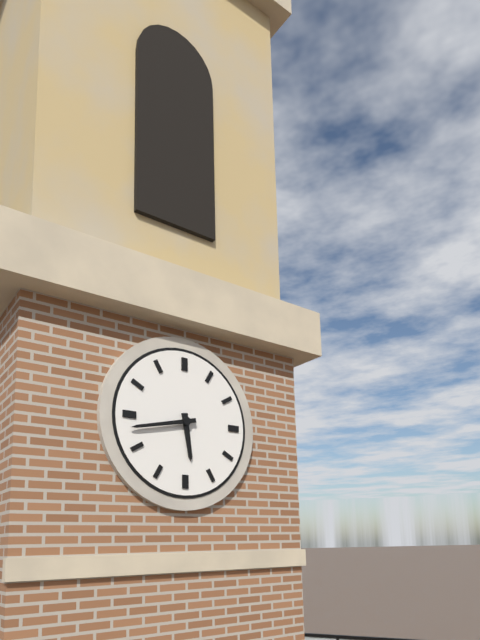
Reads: **5:43**
